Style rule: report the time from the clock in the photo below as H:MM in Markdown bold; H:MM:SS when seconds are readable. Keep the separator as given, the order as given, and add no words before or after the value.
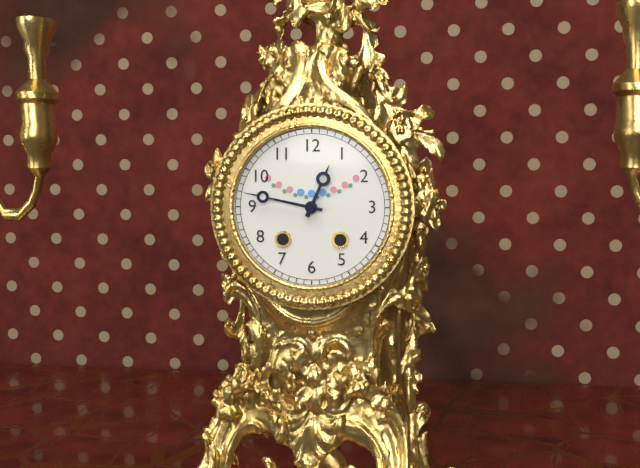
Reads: **12:47**
